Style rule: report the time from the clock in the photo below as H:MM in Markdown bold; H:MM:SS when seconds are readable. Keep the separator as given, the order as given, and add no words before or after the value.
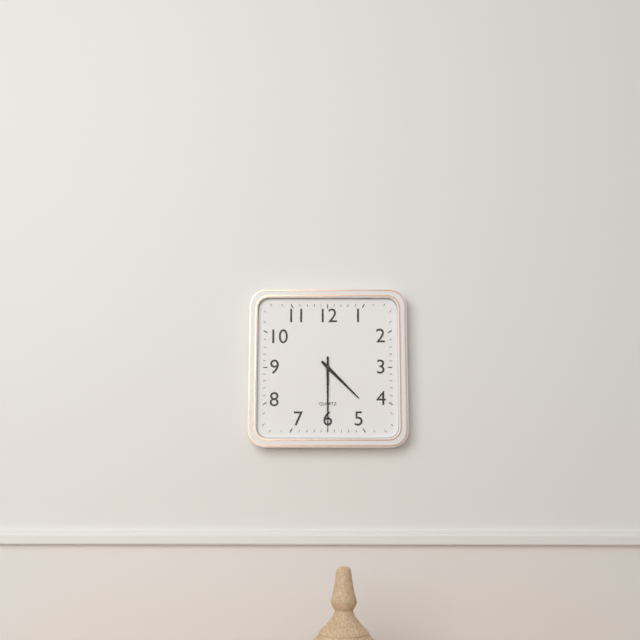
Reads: **4:30**
